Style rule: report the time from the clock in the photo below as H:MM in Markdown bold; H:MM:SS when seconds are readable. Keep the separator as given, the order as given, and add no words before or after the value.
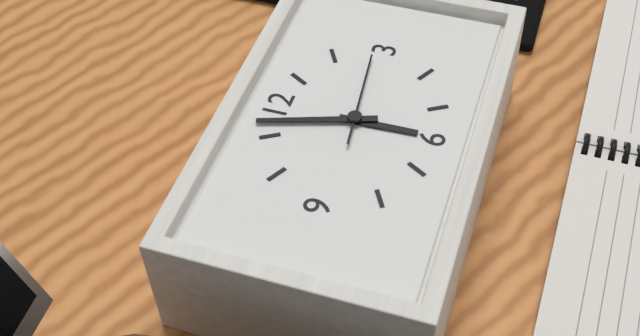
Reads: **5:57:14**
